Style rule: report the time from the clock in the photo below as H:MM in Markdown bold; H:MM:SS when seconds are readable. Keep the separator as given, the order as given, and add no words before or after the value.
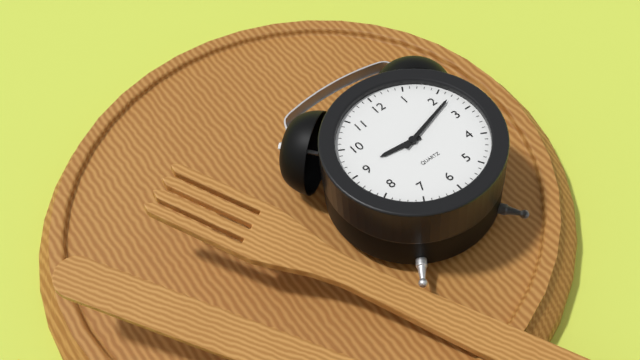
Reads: **9:12**
